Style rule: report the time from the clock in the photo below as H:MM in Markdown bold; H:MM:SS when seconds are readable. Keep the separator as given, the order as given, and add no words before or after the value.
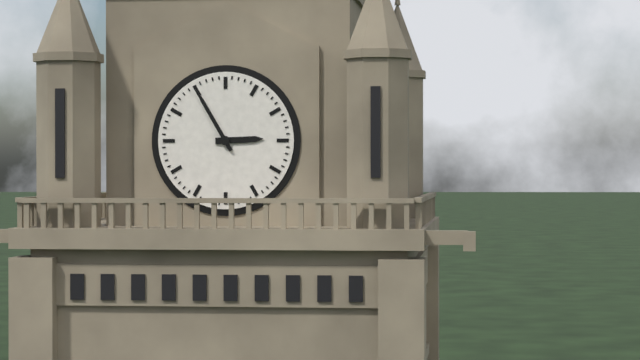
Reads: **2:55**
